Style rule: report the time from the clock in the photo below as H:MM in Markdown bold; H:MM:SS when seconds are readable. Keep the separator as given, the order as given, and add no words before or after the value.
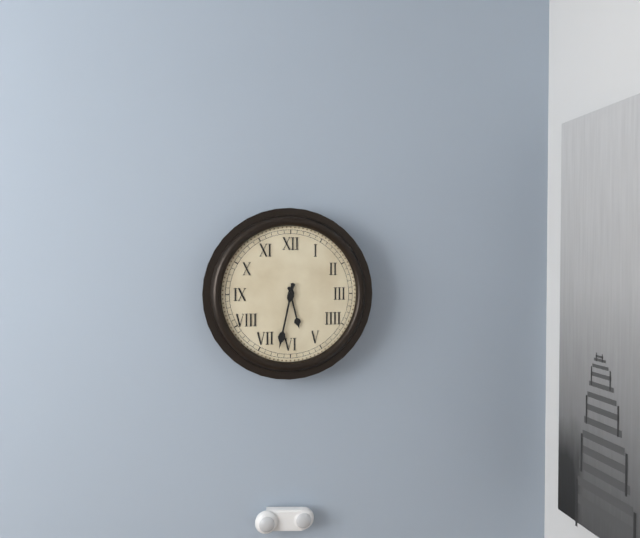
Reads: **5:32**
